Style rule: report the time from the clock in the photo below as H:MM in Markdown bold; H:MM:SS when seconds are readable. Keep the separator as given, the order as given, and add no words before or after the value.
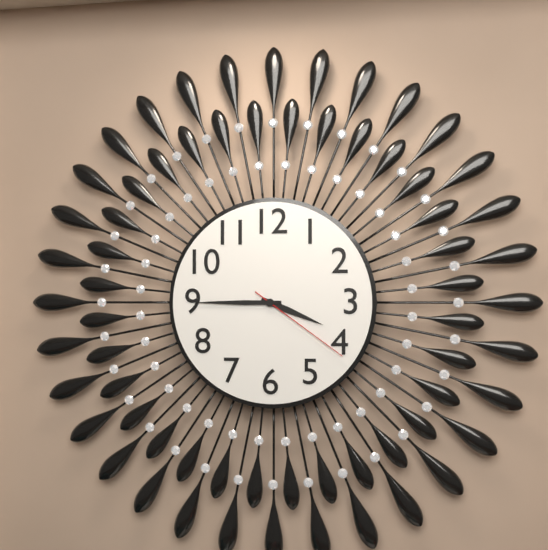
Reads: **3:45:21**
